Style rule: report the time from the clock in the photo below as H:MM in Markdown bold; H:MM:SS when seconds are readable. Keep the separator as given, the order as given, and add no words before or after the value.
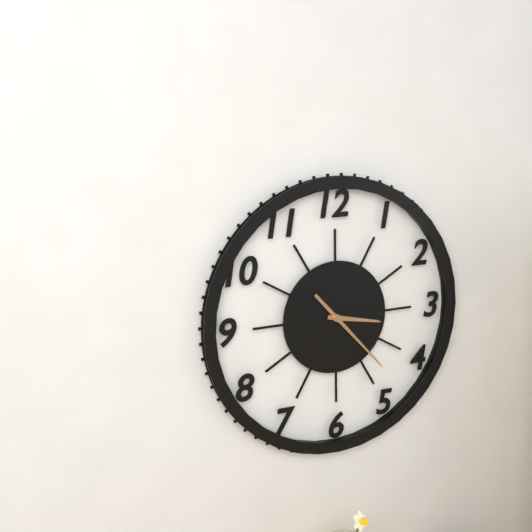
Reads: **3:23**
